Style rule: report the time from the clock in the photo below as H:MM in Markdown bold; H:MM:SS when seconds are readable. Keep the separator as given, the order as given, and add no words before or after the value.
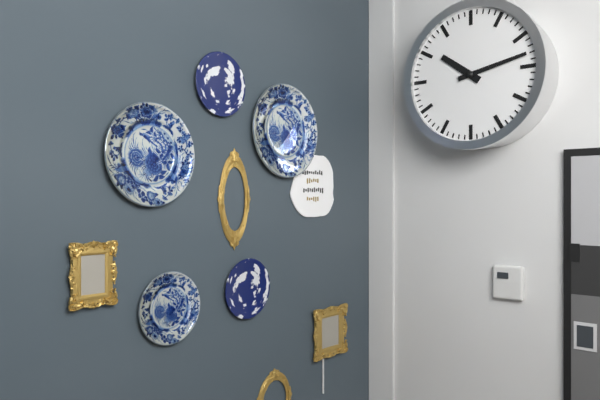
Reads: **10:13**
